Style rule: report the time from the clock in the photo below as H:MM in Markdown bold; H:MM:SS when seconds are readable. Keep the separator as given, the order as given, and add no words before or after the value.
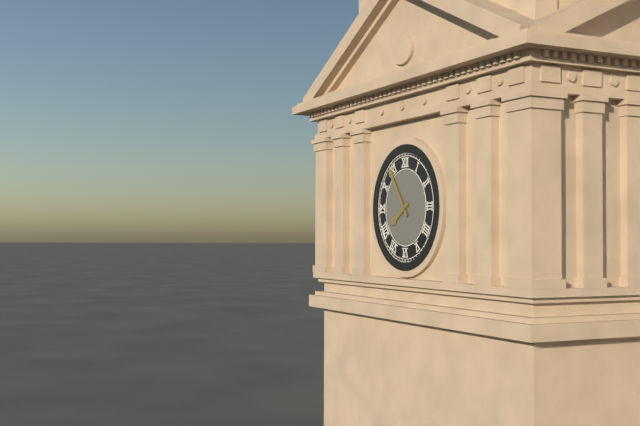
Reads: **7:54**
